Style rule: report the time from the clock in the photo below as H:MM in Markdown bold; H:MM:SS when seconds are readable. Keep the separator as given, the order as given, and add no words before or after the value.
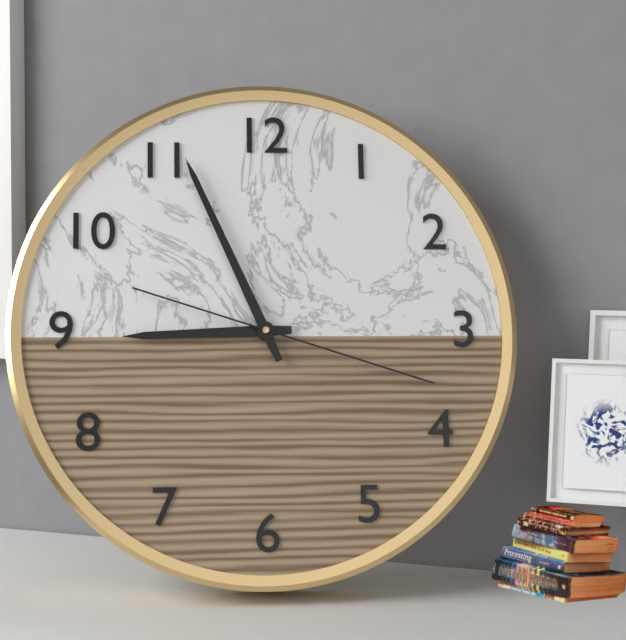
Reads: **8:56:18**
